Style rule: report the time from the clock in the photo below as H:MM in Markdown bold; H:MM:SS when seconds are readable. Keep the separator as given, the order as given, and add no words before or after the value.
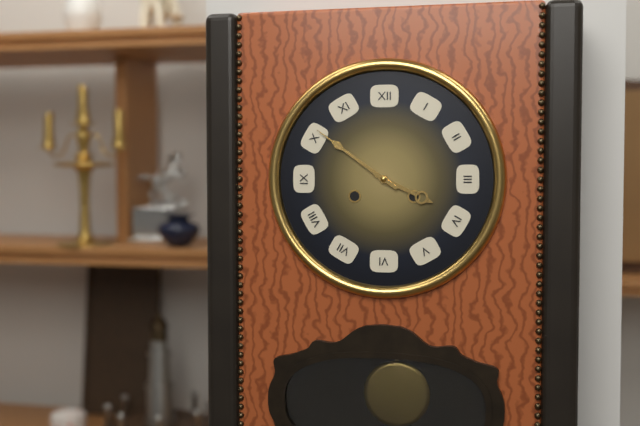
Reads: **3:51**
